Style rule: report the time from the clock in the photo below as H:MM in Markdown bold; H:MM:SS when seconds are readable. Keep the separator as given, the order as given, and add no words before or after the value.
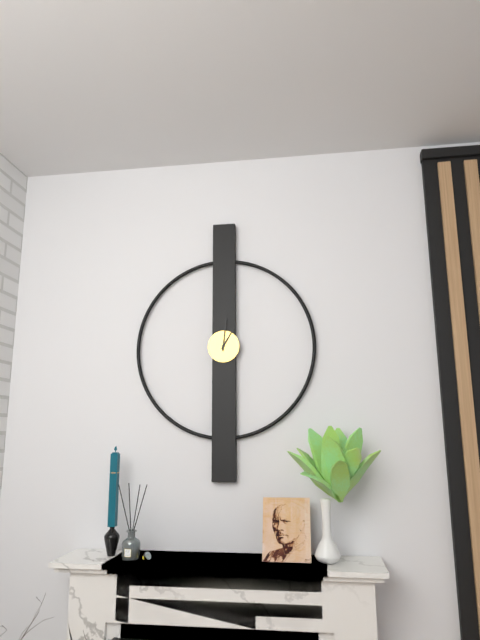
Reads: **1:01**
